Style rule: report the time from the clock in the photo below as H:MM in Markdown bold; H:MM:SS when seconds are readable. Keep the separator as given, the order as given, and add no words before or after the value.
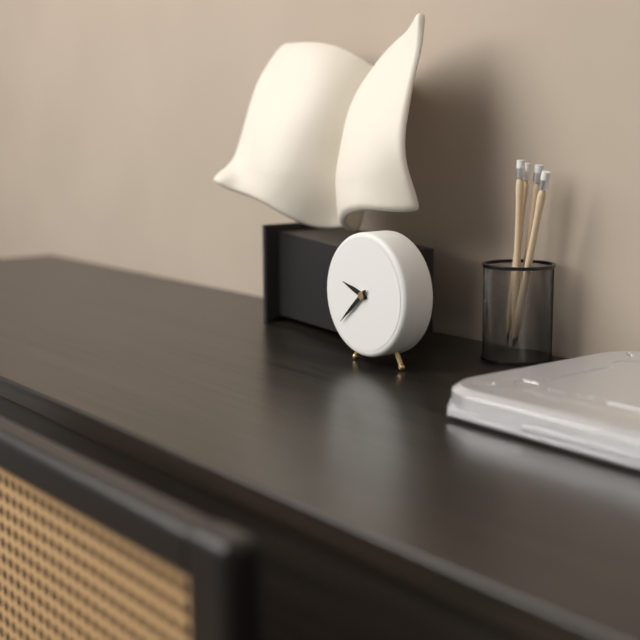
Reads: **9:38**
